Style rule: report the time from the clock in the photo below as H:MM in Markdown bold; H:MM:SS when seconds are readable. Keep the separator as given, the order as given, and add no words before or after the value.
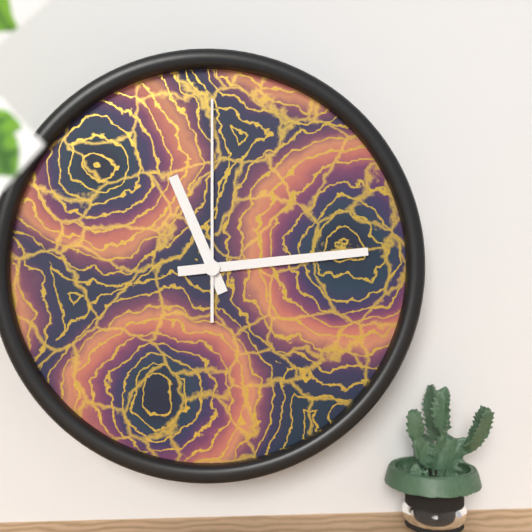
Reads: **11:14:00**
